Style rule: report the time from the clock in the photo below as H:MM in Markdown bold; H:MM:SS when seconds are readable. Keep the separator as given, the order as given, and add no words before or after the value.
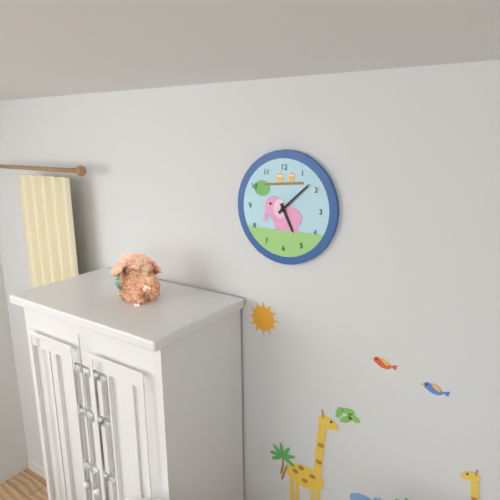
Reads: **5:08**
